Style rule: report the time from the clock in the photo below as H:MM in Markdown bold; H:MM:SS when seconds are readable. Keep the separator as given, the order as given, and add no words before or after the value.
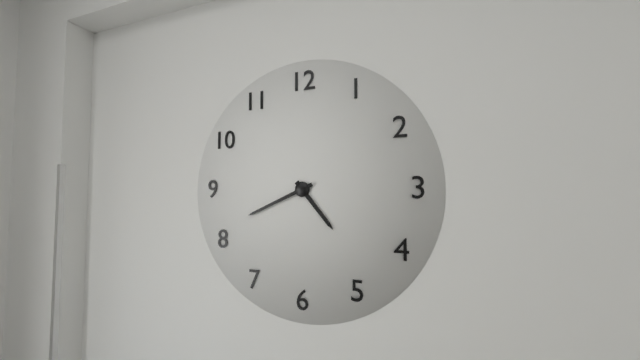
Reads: **4:41**
